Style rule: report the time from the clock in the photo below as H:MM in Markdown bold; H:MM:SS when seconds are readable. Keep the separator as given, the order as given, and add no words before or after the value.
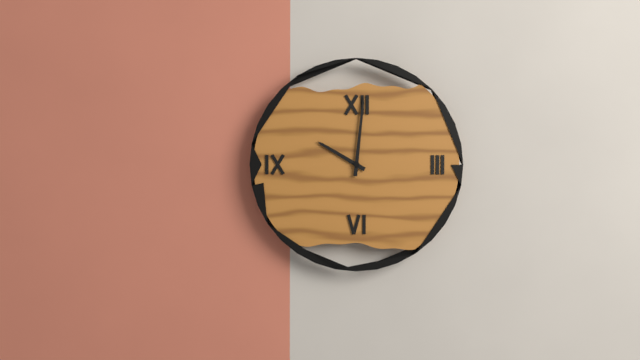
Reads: **10:01**
